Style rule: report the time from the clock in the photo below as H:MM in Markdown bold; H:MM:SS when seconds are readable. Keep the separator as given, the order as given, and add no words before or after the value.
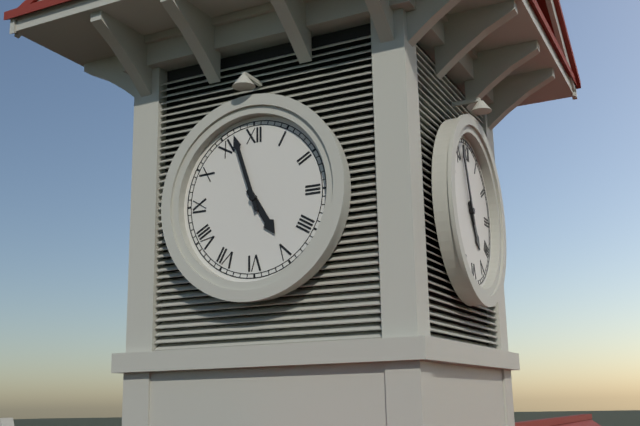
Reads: **4:57**
